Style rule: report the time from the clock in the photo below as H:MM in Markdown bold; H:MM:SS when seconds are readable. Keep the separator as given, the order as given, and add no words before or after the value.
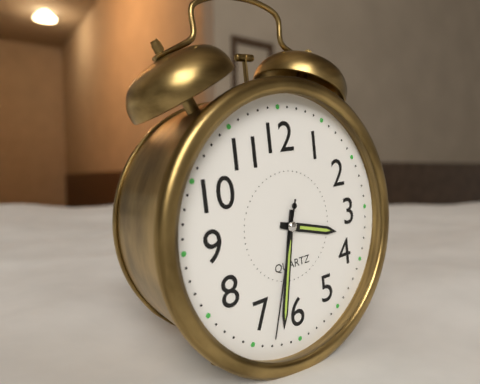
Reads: **3:32:33**
